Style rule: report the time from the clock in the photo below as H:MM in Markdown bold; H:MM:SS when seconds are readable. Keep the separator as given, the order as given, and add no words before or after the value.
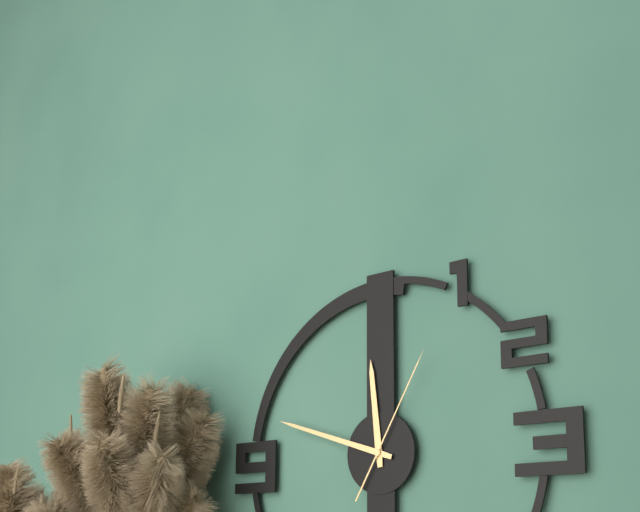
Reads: **11:48:05**
